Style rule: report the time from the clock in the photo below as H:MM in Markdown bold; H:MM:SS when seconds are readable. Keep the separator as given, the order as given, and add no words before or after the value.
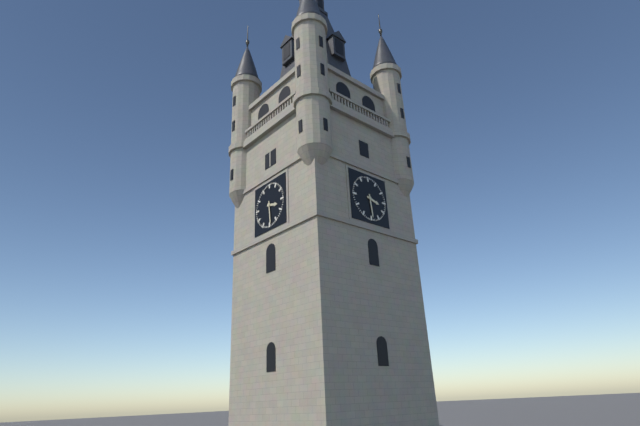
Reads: **3:29**
